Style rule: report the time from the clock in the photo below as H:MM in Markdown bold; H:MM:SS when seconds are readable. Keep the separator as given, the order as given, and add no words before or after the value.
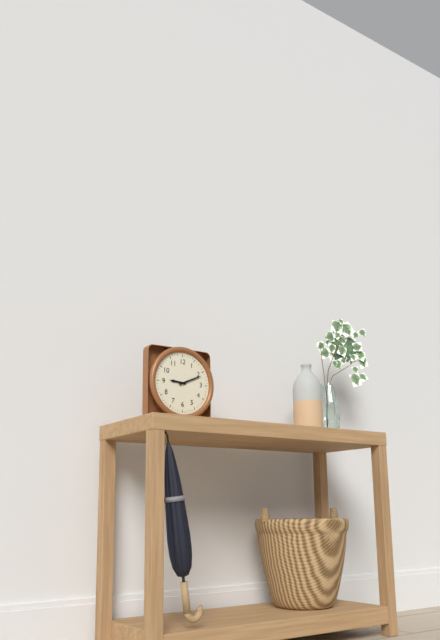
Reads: **9:11**
